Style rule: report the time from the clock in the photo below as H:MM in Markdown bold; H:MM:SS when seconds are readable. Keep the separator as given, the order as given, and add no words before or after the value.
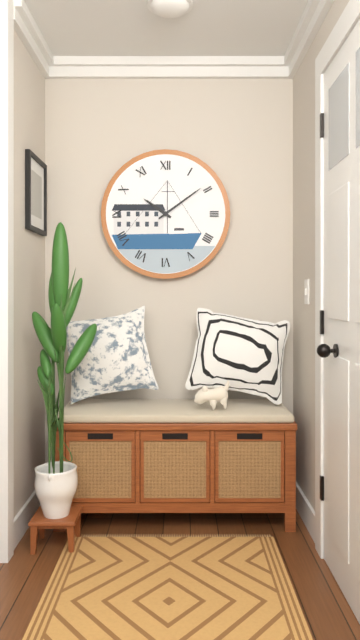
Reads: **10:09**
